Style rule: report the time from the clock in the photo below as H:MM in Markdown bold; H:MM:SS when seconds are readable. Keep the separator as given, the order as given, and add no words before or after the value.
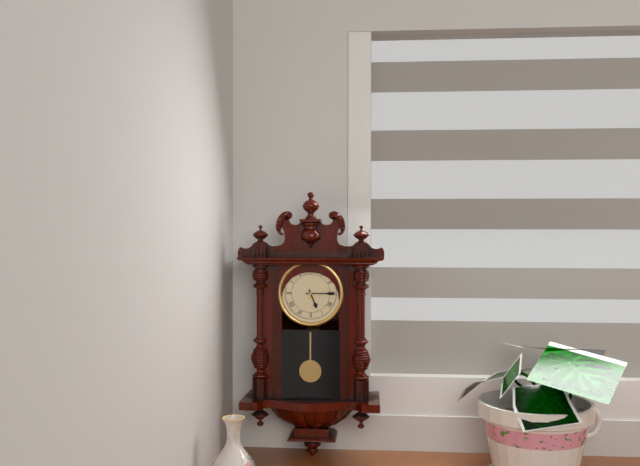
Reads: **5:15**
